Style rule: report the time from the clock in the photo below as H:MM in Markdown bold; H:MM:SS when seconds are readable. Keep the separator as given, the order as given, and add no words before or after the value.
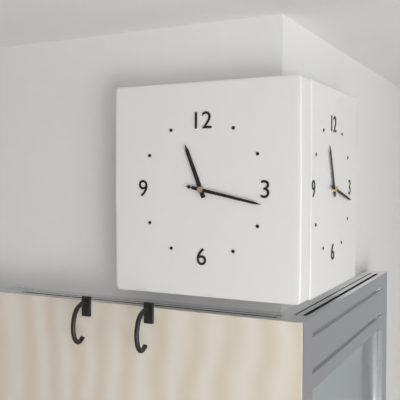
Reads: **11:17:17**
